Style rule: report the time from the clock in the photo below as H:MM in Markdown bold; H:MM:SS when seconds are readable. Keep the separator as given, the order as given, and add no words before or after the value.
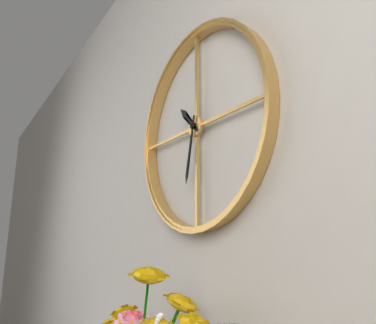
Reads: **10:32**
